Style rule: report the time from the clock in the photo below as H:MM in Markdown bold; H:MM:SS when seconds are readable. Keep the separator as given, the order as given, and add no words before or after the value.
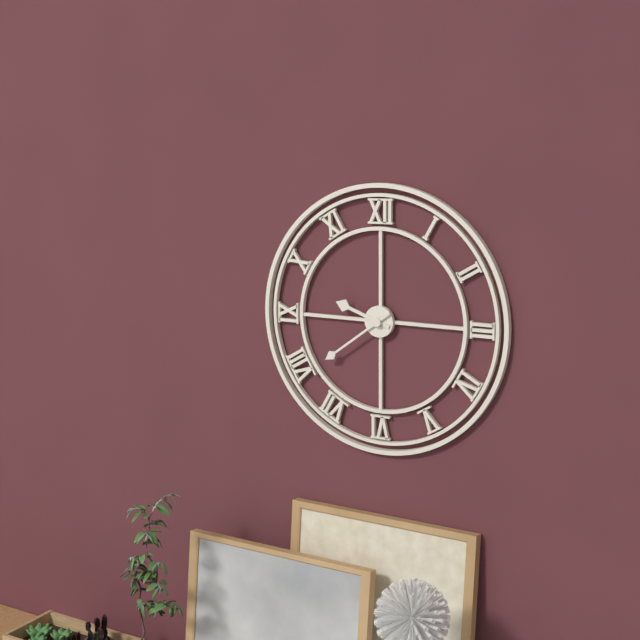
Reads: **9:39**
